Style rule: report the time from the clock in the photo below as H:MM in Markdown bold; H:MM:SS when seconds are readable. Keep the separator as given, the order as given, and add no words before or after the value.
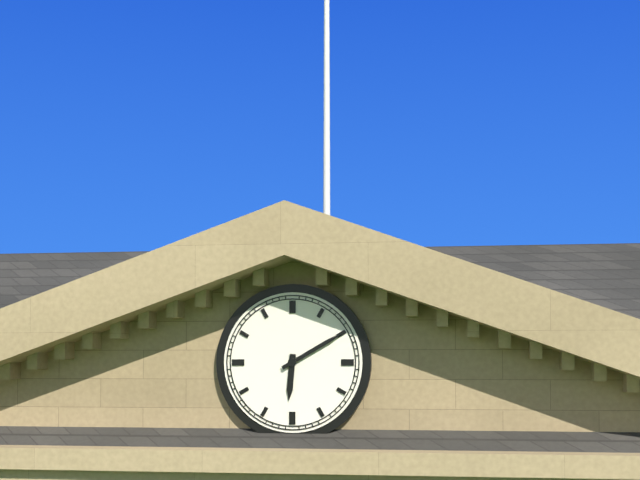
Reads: **6:10**
